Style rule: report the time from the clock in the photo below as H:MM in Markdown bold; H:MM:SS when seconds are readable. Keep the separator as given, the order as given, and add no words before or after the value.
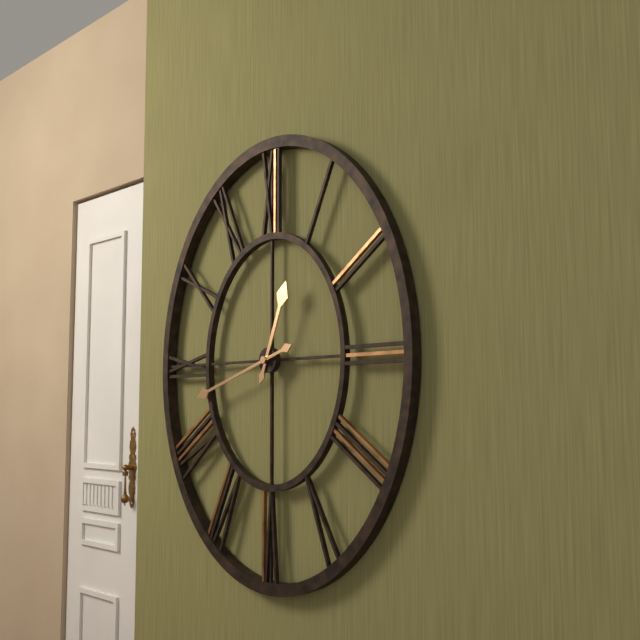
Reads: **12:42**
